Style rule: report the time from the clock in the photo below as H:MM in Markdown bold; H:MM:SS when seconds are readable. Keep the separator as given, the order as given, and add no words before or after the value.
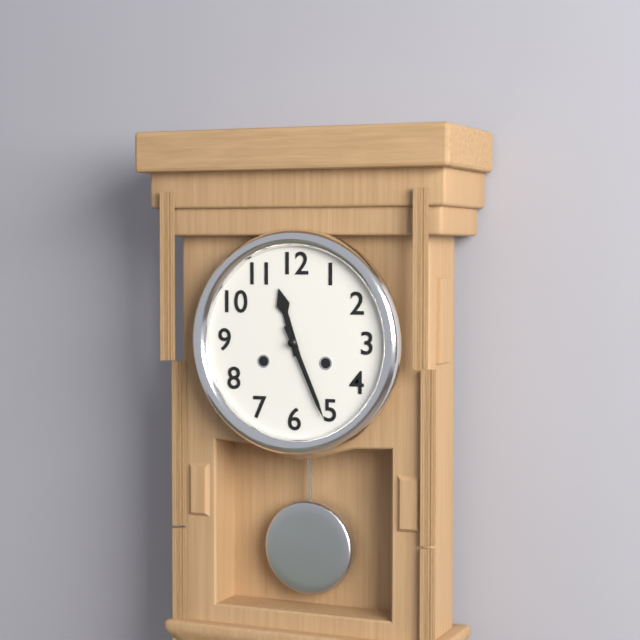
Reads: **11:26**
